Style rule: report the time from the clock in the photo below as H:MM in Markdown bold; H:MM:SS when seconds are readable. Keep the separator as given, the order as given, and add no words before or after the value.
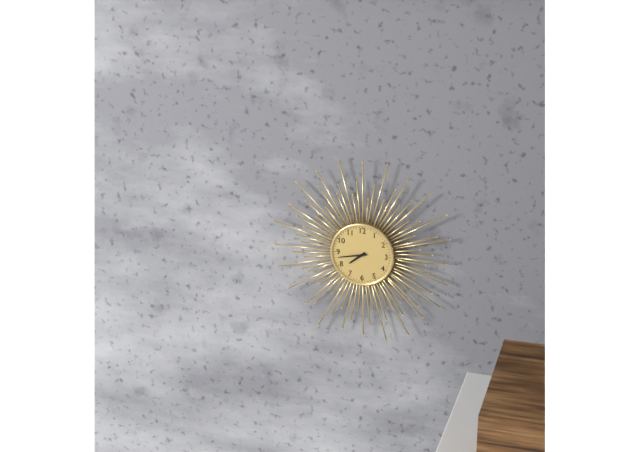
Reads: **7:43**
